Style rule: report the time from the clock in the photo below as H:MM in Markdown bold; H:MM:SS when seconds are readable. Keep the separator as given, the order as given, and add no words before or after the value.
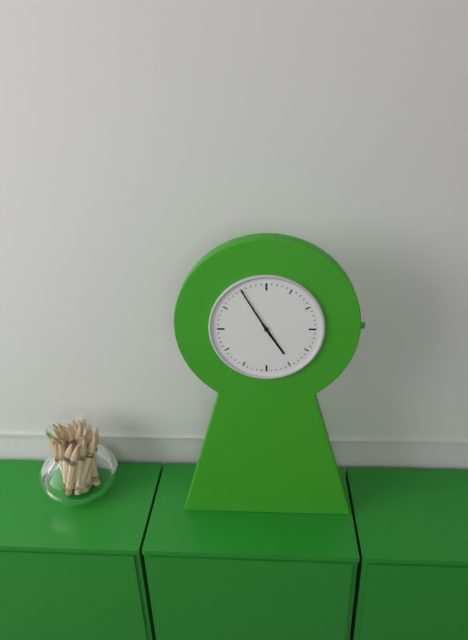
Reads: **4:55**
